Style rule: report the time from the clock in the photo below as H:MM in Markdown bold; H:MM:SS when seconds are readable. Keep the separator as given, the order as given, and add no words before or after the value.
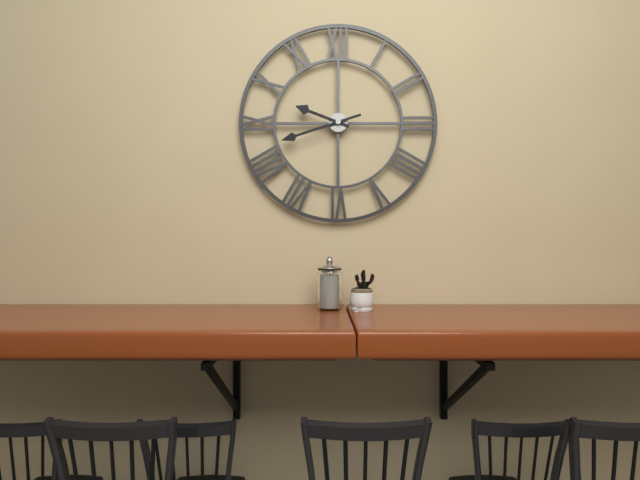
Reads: **9:42**
